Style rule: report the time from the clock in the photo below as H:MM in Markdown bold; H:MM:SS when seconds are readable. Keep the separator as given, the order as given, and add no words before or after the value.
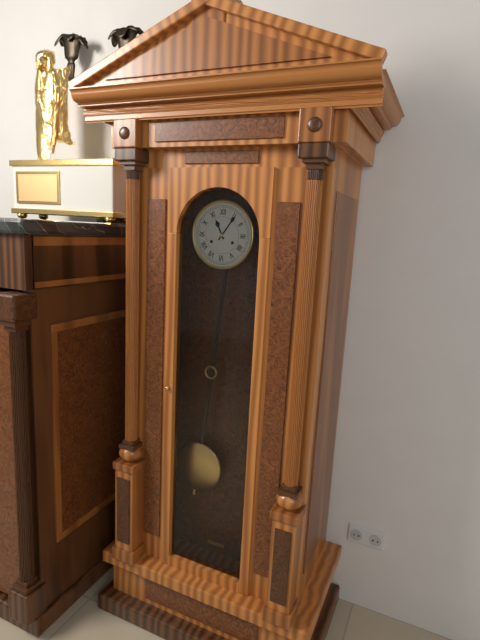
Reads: **11:06**
